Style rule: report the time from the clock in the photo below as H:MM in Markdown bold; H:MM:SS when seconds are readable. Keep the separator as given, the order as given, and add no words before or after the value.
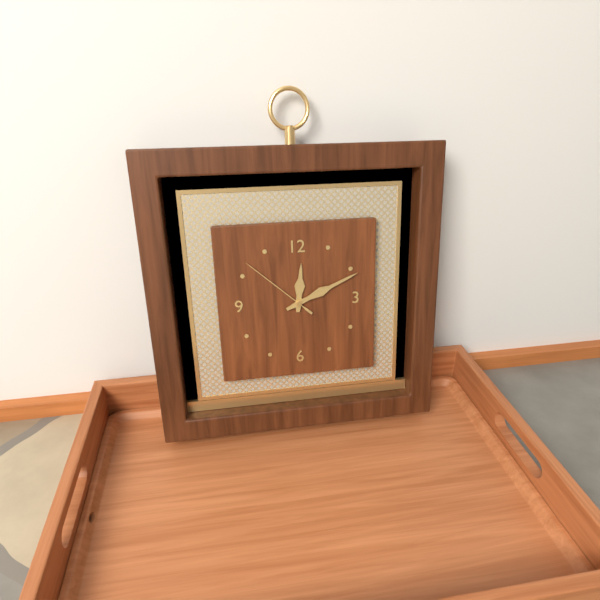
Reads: **12:11:52**
